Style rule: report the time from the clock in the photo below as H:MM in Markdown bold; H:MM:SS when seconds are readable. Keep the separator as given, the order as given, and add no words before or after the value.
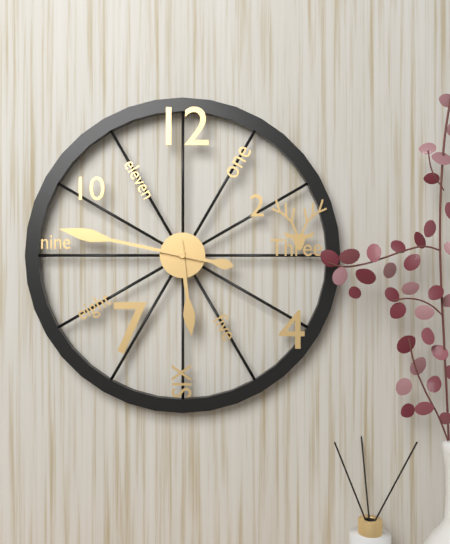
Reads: **5:47**
